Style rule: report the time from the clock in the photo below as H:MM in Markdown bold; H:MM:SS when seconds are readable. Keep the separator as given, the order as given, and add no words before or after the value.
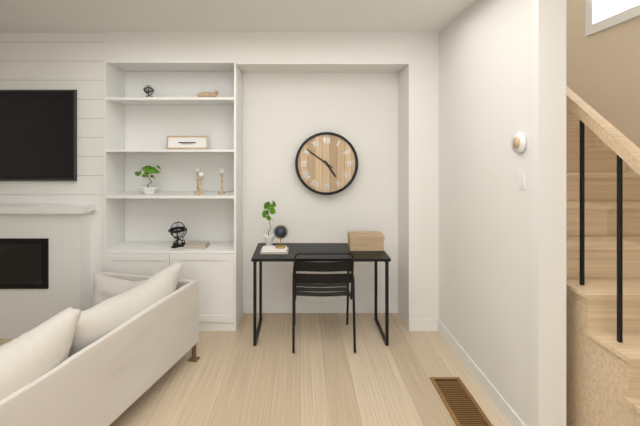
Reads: **4:51**
